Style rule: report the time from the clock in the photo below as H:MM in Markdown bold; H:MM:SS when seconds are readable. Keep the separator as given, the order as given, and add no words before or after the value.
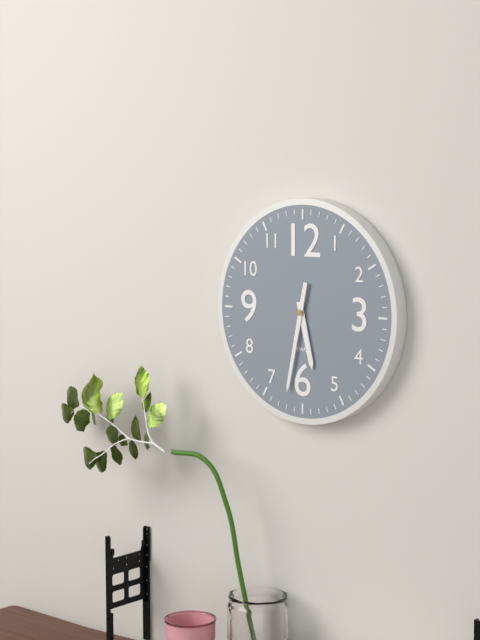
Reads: **5:32**
